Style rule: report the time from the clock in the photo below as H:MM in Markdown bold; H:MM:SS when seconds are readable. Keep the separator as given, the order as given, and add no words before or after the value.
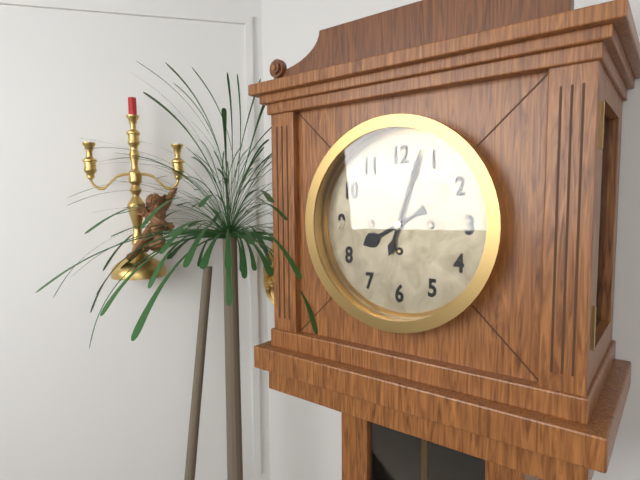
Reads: **8:03**
